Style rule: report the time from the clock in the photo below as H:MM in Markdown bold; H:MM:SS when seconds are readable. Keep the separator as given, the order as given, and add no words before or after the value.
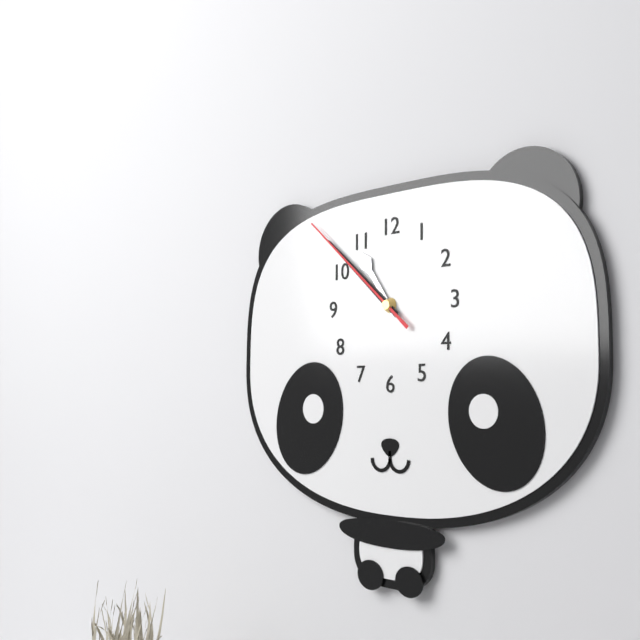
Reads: **10:52:52**
